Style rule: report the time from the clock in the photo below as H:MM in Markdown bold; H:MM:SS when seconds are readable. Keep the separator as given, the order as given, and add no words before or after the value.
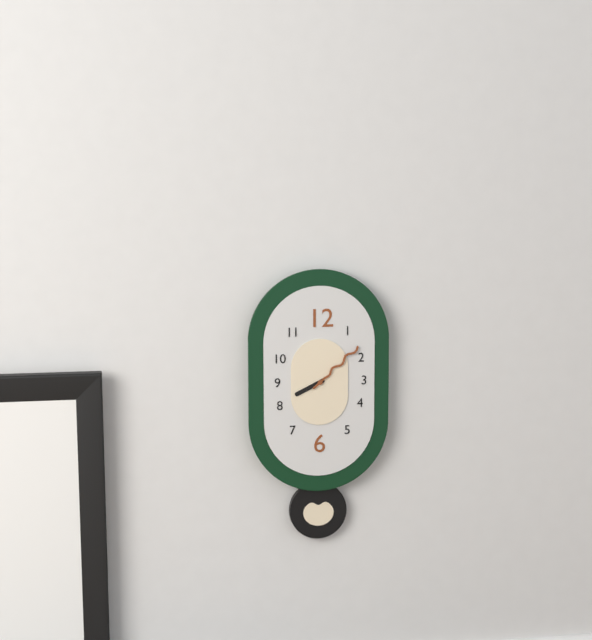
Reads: **8:08**
